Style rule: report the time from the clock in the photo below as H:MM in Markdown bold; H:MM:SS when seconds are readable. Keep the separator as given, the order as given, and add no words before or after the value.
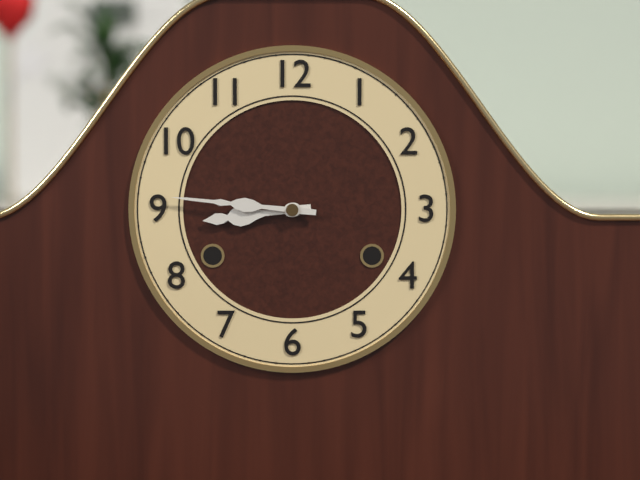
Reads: **8:46**
